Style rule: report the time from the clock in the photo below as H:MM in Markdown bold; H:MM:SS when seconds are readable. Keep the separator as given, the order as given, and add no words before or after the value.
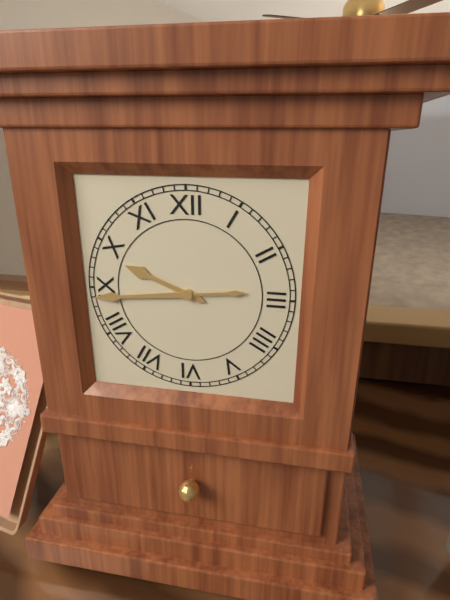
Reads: **9:44**
